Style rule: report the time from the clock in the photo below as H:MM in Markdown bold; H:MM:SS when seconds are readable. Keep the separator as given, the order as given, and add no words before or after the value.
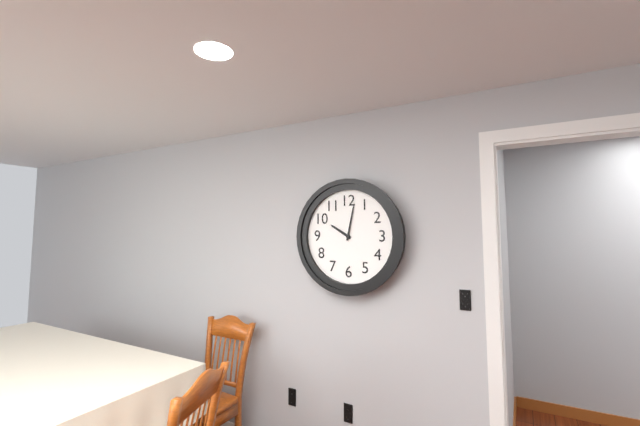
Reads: **10:02**
